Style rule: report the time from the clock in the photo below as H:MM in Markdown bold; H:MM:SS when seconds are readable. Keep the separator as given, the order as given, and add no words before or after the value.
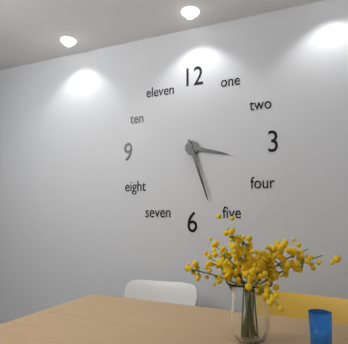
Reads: **3:27**
